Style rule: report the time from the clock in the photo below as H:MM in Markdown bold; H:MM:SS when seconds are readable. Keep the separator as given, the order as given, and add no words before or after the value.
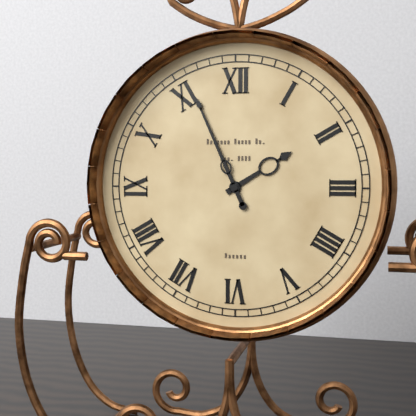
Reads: **1:56**
